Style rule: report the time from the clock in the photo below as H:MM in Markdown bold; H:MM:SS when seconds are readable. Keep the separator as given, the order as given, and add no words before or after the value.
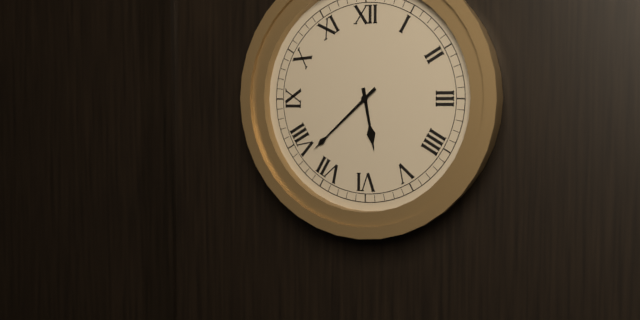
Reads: **5:38**
